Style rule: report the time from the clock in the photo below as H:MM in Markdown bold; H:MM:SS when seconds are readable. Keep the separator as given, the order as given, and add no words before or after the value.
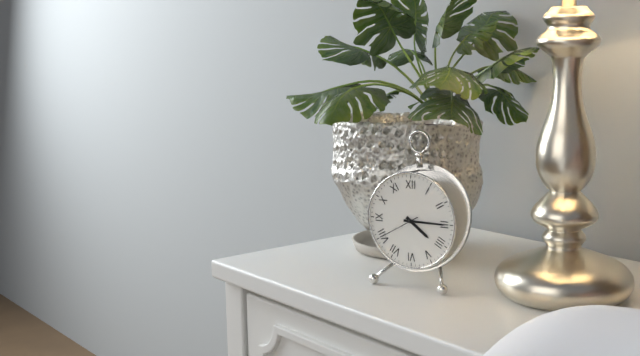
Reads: **4:15**
